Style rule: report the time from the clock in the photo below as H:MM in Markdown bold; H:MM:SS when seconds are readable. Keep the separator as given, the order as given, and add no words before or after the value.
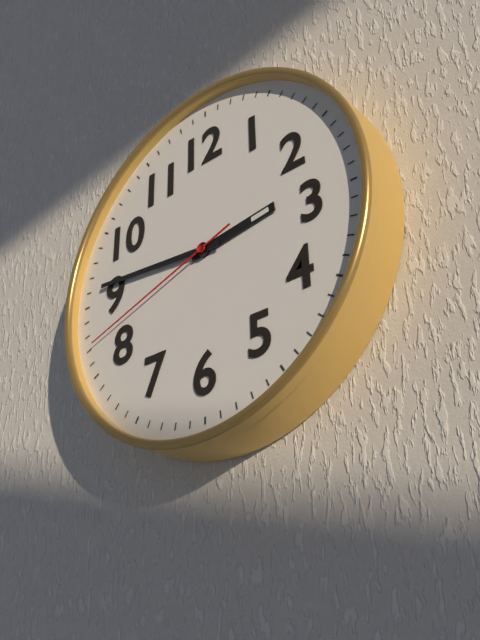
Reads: **2:46:42**
